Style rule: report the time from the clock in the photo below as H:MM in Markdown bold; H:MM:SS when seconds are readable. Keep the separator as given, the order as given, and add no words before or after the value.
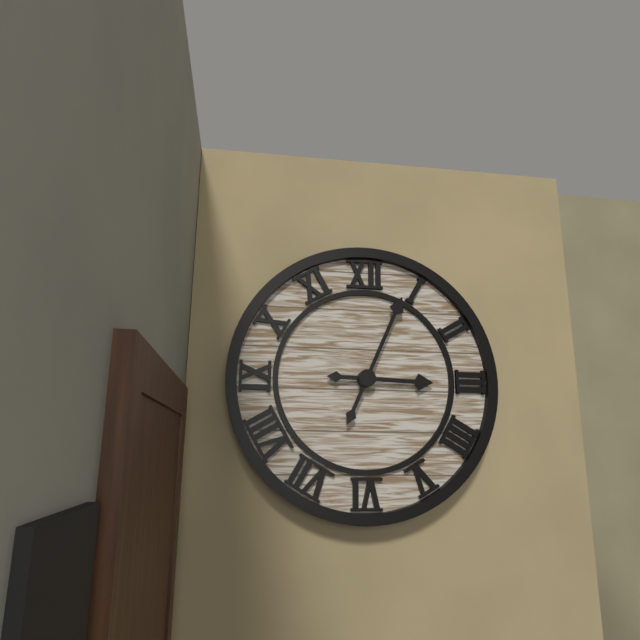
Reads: **3:04**
